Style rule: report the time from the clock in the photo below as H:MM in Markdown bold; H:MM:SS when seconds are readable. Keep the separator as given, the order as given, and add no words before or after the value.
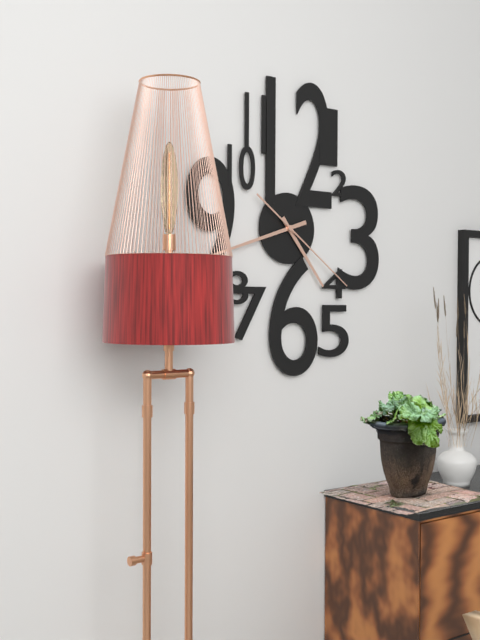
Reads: **4:42:21**
